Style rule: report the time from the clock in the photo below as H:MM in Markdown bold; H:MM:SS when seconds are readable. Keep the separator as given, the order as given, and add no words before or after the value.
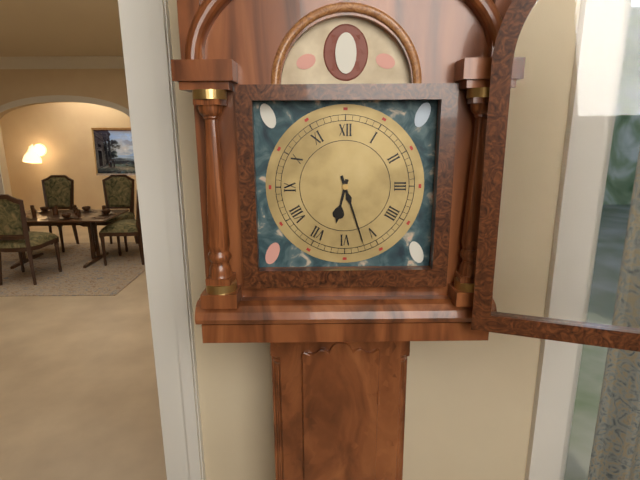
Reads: **6:27**
